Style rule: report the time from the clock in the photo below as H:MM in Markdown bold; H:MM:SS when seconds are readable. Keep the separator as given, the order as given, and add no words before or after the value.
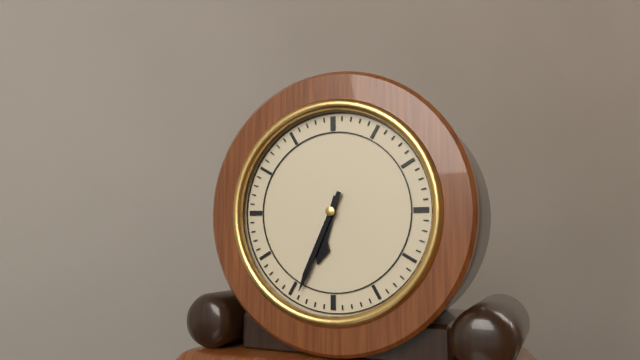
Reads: **6:34**
